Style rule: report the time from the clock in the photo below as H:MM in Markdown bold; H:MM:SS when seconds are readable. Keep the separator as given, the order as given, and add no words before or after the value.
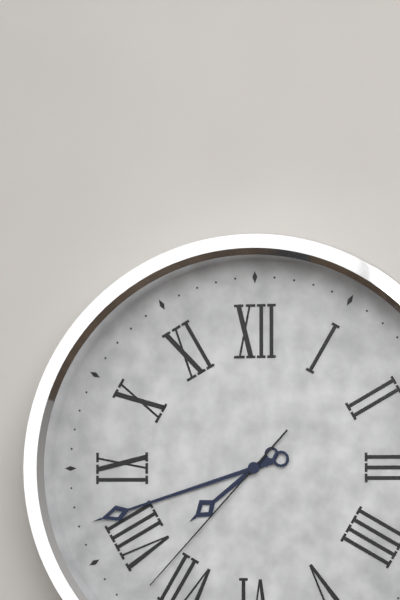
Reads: **7:42:37**
